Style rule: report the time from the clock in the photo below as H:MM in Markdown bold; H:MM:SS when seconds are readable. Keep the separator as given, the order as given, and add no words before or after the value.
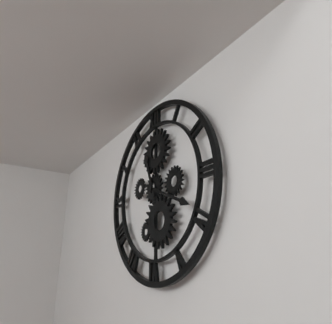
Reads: **11:19**
